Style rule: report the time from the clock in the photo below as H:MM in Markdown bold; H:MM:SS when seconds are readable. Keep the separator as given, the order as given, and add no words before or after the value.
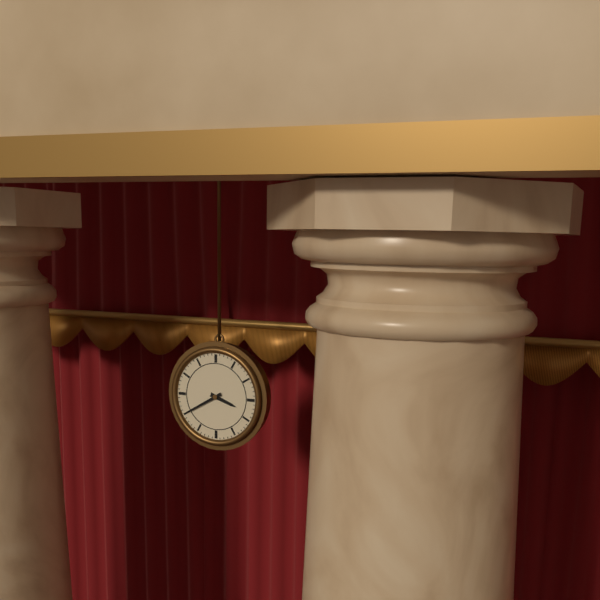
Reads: **3:40**
